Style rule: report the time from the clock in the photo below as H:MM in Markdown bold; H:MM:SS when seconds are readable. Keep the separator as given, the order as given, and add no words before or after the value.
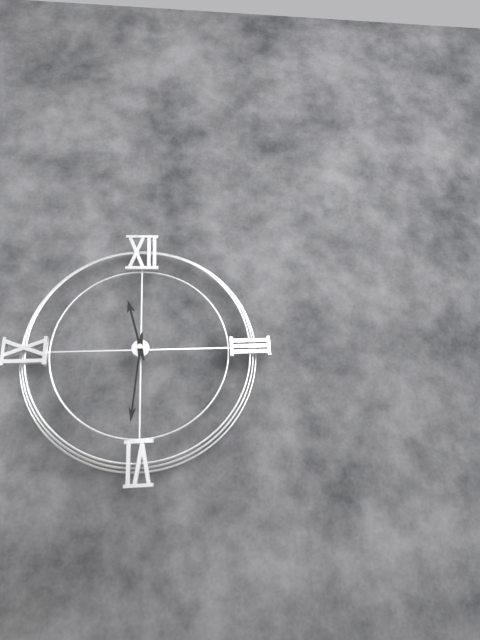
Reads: **11:31**
